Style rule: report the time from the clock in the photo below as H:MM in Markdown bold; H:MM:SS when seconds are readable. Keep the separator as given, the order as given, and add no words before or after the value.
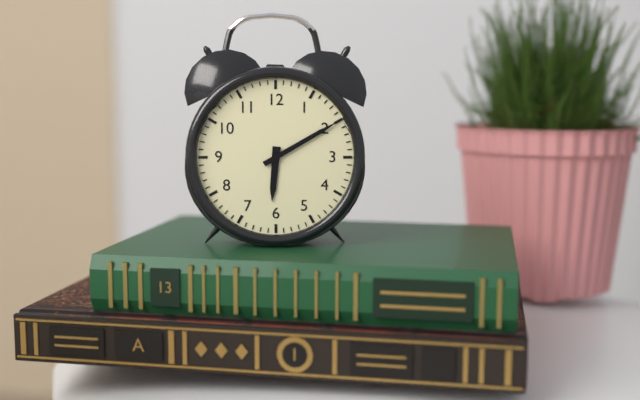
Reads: **6:10**
